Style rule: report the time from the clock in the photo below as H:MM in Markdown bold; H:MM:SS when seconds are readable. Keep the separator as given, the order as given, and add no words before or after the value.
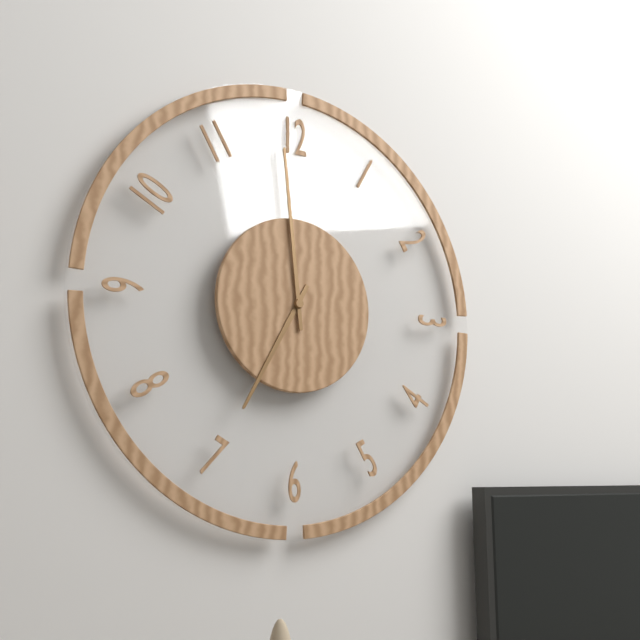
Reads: **6:59**
